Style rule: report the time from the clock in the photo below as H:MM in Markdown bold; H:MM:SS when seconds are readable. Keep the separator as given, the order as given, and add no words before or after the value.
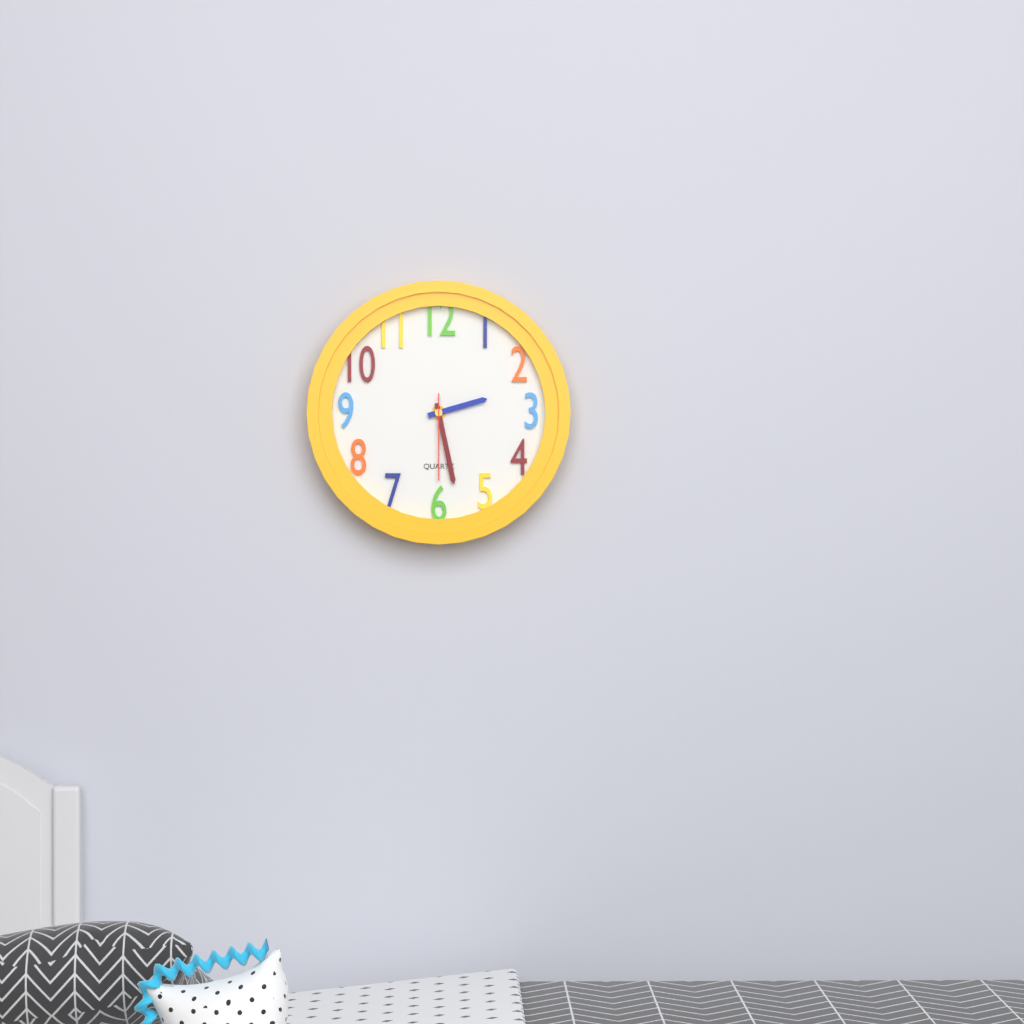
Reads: **2:28:30**
